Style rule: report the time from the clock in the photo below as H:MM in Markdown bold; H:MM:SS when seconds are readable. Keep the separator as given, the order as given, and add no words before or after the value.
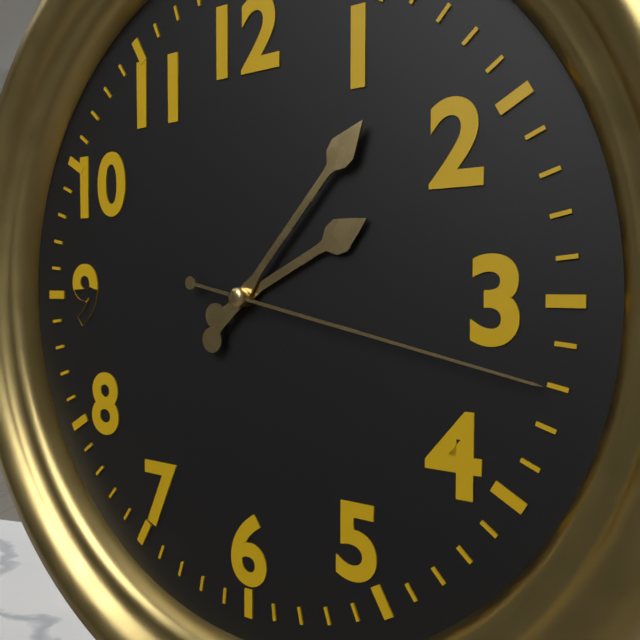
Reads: **2:07:17**
